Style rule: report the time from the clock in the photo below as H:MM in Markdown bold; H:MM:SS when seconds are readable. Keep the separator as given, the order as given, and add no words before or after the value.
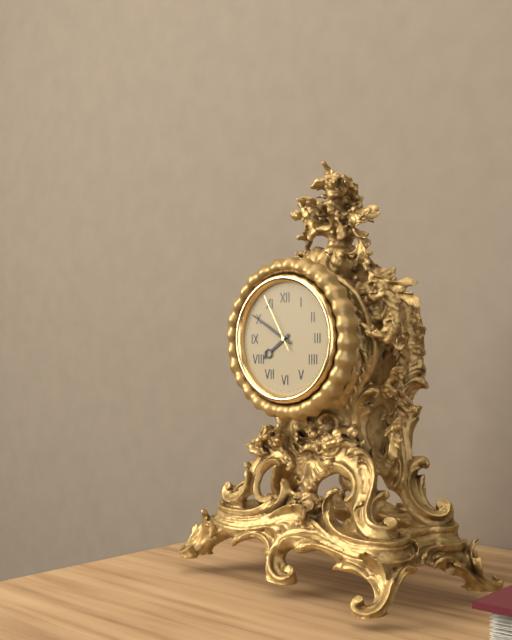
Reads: **7:50:55**
